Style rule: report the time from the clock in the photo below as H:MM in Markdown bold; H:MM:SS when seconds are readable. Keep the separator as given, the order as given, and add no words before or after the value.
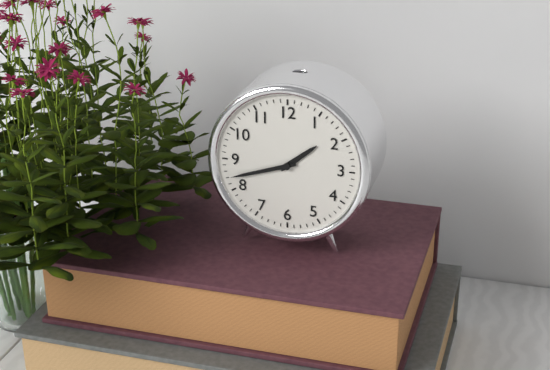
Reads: **1:42**
